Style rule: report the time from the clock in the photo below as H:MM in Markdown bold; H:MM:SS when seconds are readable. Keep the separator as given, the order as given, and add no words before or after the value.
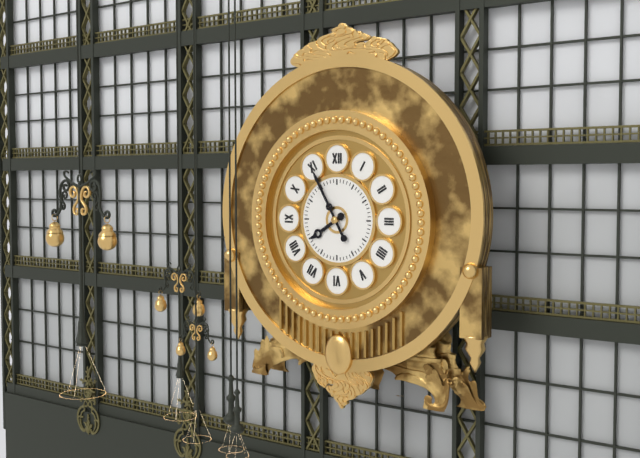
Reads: **7:55**
